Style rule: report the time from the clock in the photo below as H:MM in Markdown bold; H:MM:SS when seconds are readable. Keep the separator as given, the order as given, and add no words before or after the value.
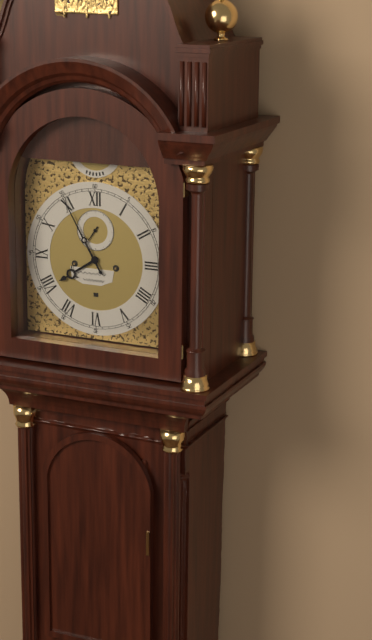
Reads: **7:55**
